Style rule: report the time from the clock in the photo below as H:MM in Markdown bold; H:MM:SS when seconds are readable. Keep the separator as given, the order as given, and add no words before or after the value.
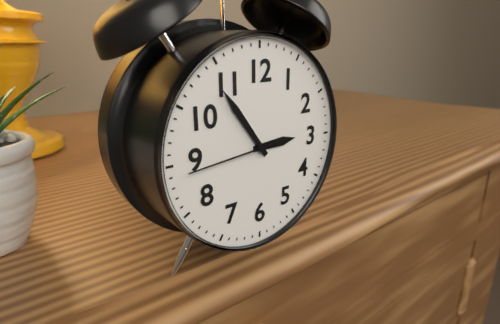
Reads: **2:54:44**
